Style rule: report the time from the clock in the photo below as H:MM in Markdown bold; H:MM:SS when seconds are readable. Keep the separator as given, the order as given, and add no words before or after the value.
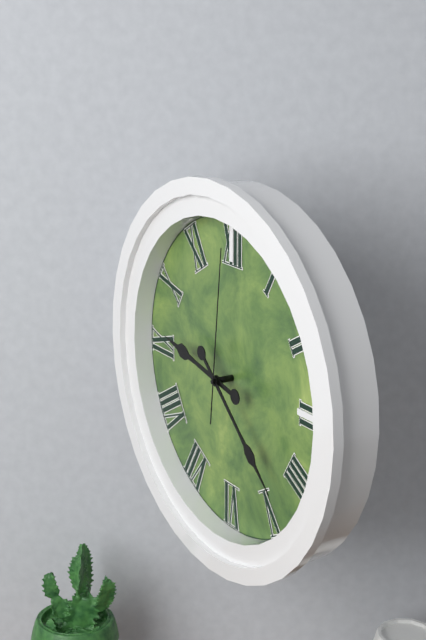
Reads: **9:22:01**
